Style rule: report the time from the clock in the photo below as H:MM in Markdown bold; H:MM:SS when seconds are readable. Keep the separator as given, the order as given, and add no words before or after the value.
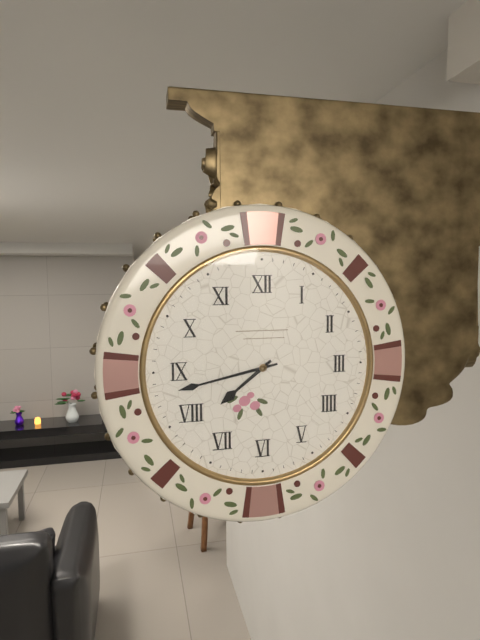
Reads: **7:43**
